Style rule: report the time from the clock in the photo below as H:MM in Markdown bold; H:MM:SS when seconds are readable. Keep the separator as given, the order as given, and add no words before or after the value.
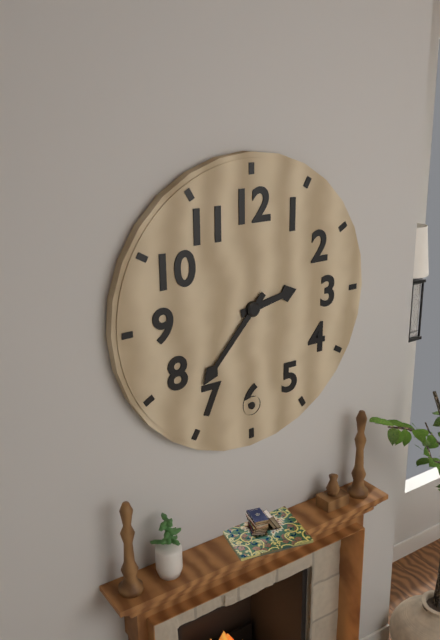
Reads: **2:37**
